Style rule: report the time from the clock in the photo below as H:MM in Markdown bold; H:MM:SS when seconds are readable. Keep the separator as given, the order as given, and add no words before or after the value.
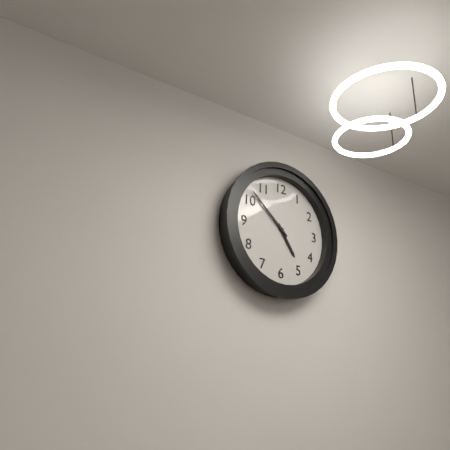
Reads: **4:52**
